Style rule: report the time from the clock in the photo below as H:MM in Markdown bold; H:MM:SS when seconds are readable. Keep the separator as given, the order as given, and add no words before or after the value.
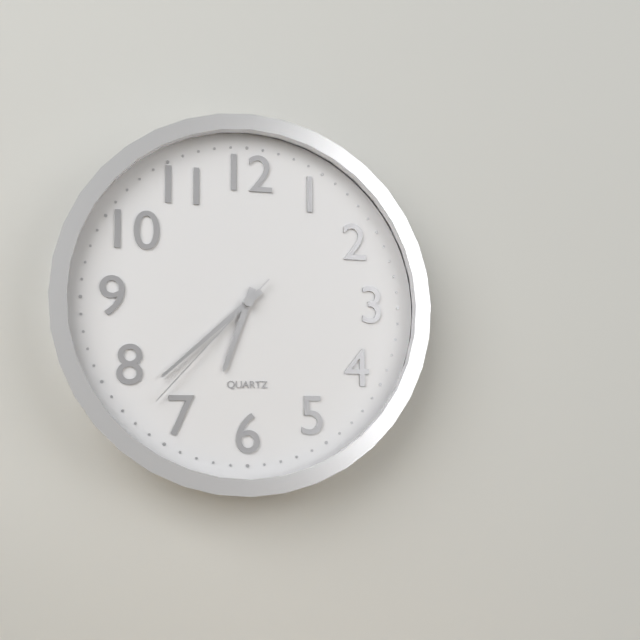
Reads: **6:38:37**
